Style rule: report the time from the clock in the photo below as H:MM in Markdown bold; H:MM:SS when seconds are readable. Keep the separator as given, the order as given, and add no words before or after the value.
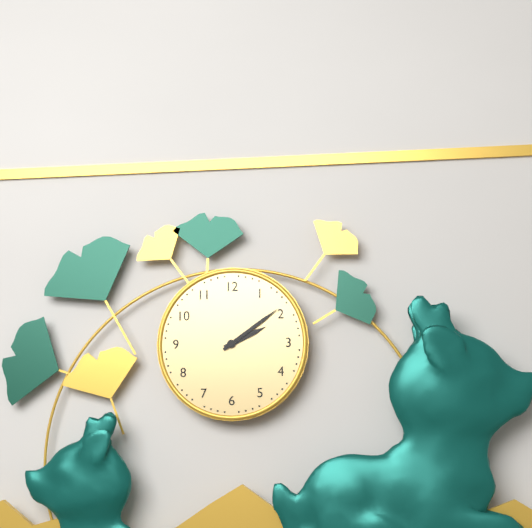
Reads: **2:09**
